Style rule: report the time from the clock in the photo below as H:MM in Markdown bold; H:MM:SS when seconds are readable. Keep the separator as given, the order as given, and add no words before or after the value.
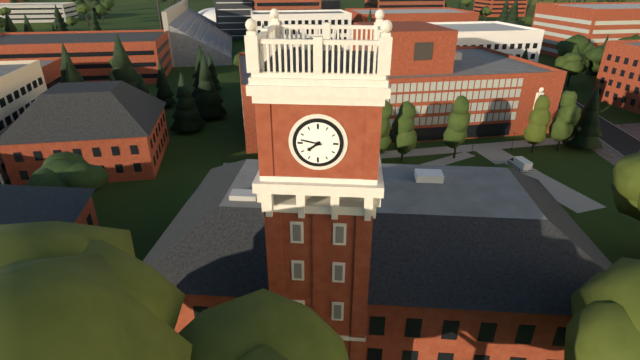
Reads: **7:47**
